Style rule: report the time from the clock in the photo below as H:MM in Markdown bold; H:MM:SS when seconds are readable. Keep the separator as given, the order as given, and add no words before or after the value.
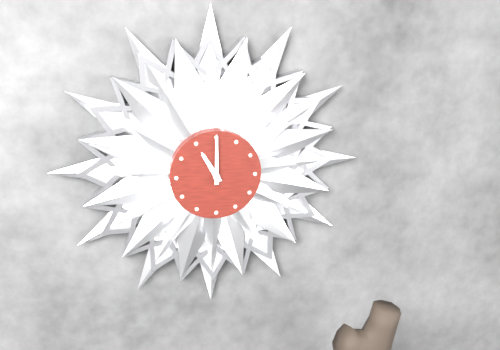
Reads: **11:00**
